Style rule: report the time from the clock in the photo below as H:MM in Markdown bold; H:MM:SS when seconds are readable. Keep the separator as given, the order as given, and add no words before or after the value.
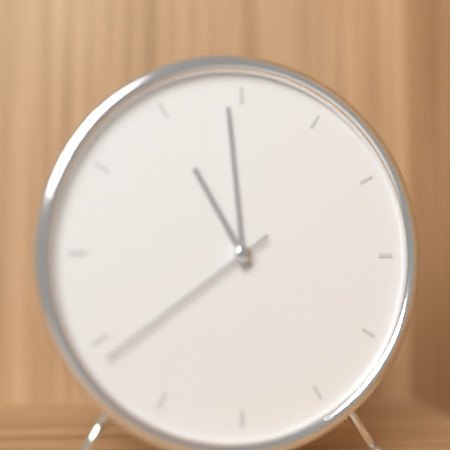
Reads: **10:59:39**
